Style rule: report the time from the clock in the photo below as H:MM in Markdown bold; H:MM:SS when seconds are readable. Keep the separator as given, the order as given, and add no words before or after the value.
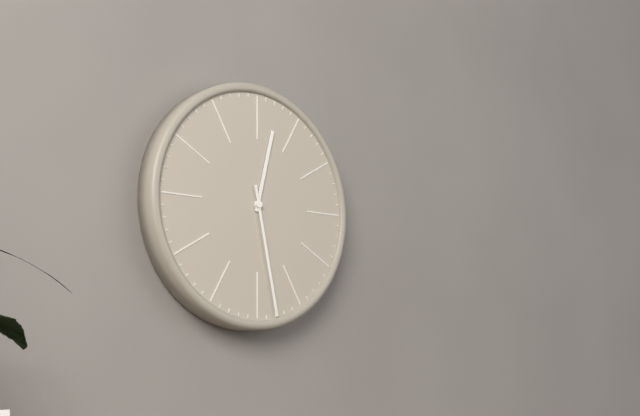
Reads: **12:28**
